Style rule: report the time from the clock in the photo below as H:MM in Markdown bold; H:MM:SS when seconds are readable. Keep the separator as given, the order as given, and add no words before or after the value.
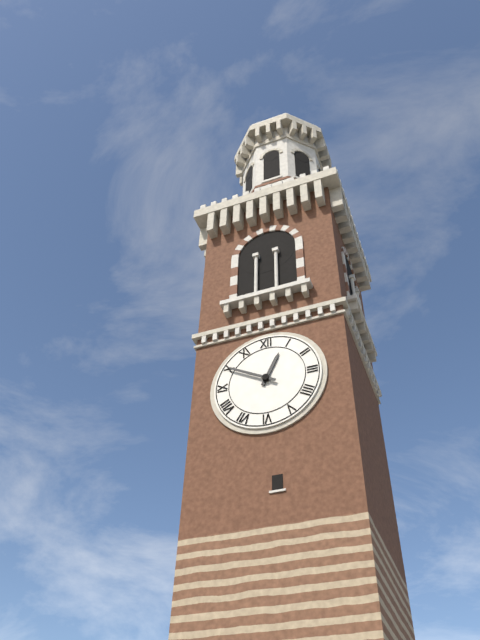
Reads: **12:50**
